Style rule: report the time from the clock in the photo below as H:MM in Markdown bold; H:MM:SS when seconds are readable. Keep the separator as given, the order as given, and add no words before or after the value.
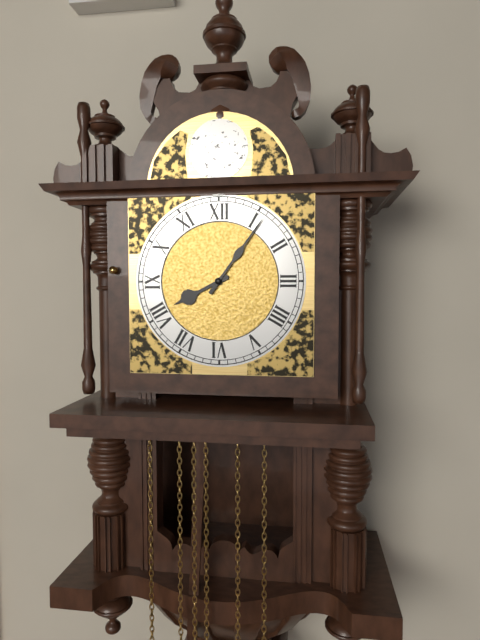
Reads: **8:06**
